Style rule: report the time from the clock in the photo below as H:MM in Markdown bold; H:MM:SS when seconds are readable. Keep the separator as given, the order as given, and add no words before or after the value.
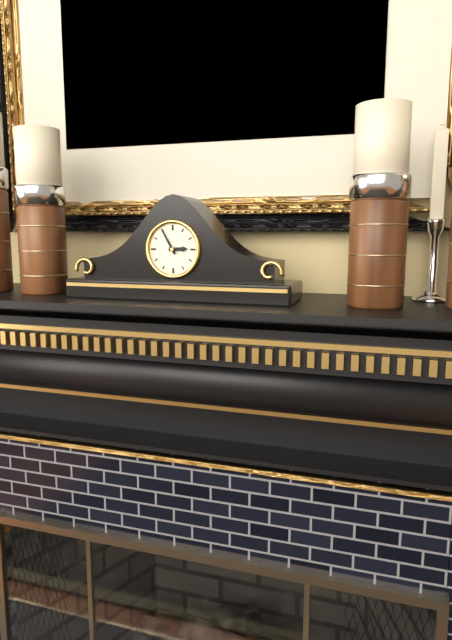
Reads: **2:55**
